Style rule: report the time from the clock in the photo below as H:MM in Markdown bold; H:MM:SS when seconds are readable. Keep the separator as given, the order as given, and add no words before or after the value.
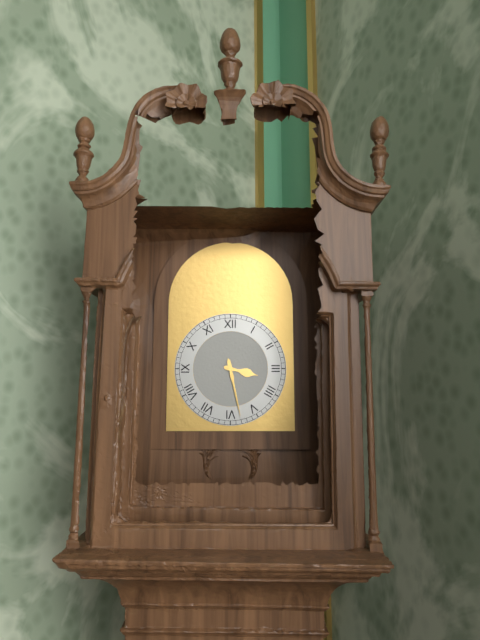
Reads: **3:28**
